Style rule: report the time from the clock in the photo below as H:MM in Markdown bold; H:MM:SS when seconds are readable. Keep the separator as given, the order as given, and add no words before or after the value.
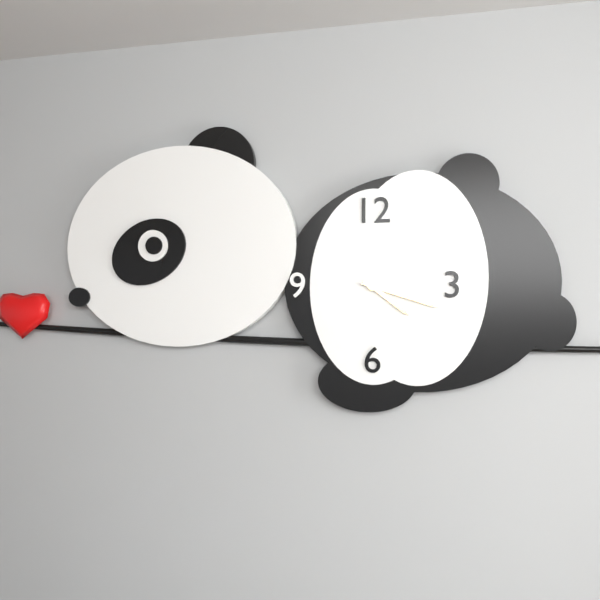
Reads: **4:18**
